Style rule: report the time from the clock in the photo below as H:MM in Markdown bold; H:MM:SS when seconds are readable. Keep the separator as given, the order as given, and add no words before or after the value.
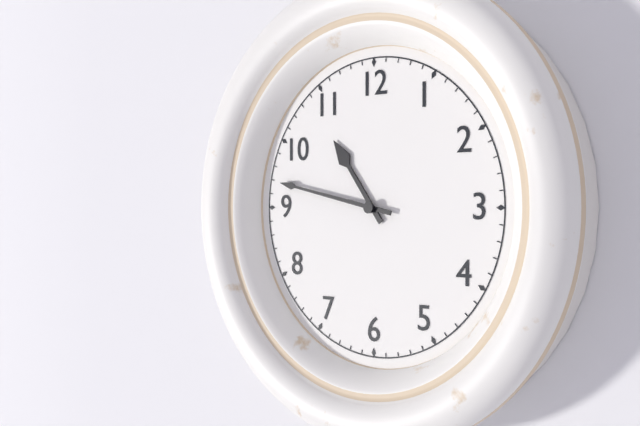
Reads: **10:47**
